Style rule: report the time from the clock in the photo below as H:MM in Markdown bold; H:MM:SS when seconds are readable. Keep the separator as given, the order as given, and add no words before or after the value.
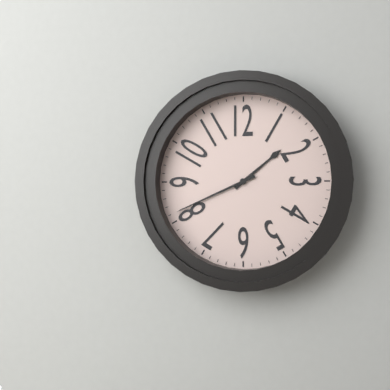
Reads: **1:41**
